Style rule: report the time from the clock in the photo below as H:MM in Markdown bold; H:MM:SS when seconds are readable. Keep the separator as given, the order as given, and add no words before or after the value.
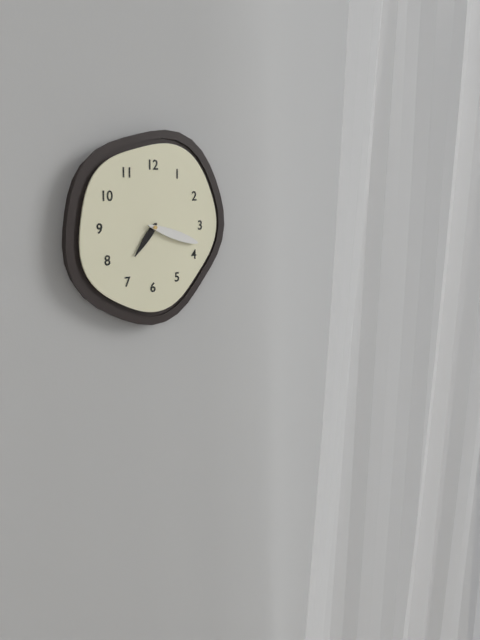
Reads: **7:18**
